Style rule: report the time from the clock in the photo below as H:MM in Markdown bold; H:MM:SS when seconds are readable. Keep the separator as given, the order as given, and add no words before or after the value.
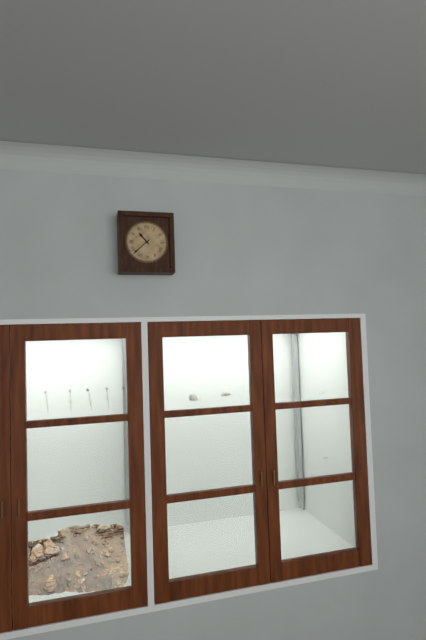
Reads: **10:38**
